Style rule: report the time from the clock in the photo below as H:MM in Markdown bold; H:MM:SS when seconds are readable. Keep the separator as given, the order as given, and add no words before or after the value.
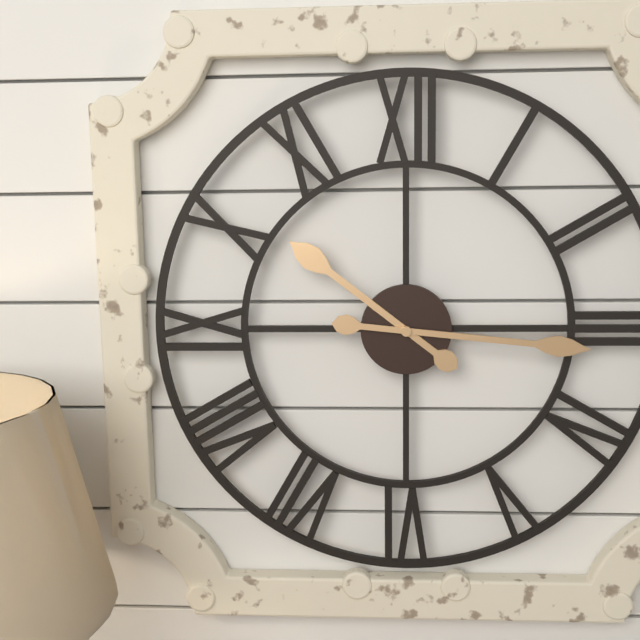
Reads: **10:16**
